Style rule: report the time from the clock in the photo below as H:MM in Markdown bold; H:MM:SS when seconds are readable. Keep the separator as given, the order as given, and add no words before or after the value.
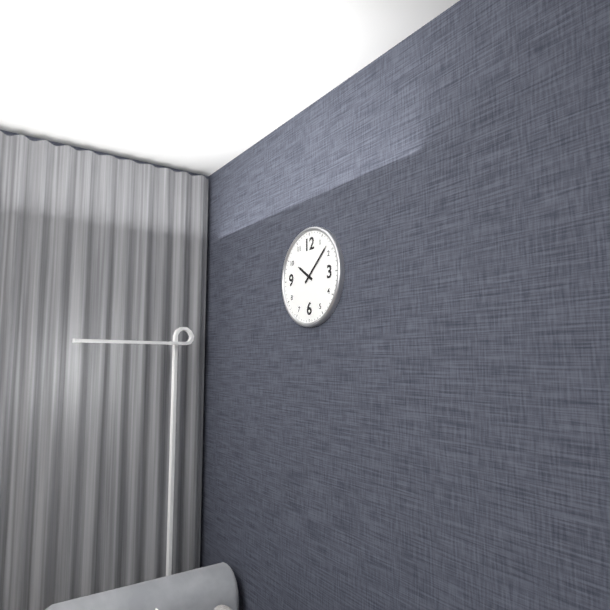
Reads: **10:08**
